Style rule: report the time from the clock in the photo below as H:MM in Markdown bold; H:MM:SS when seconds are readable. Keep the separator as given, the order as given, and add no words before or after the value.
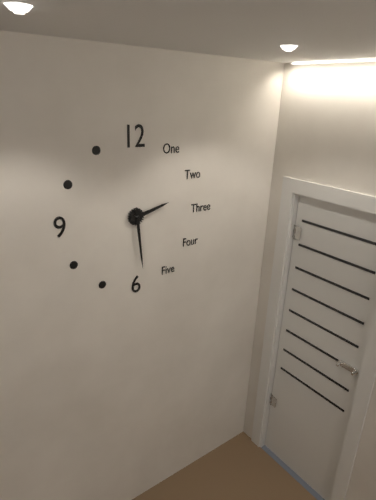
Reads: **2:29**
